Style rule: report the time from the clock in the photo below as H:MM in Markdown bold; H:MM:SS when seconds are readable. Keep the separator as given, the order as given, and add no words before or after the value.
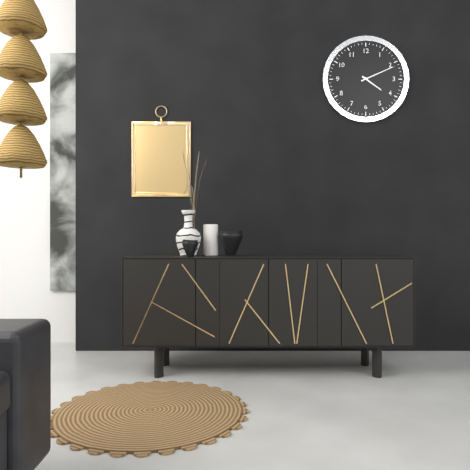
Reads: **4:11**
